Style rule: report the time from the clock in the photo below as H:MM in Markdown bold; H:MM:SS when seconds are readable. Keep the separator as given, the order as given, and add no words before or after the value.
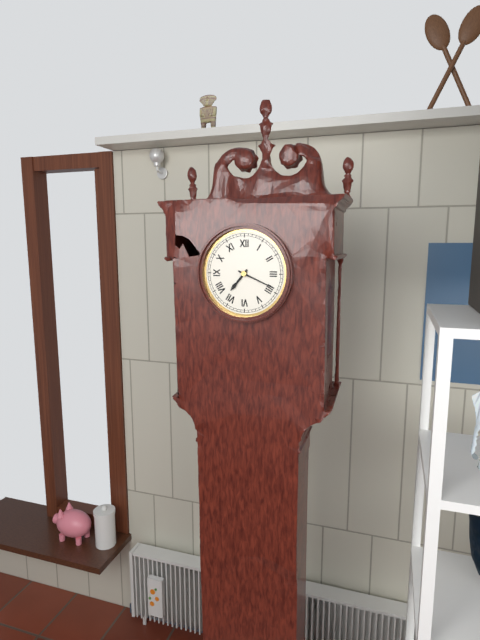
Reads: **7:19**
